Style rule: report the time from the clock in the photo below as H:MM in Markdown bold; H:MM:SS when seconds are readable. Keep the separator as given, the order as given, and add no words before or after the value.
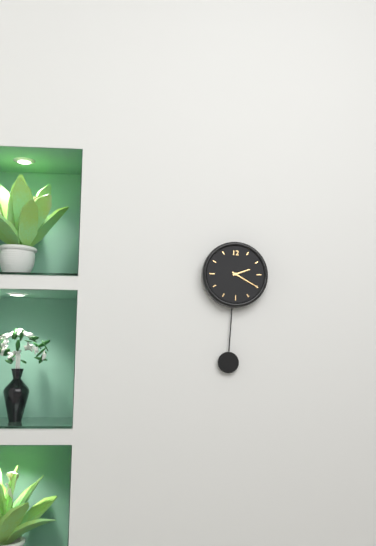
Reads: **2:20**
